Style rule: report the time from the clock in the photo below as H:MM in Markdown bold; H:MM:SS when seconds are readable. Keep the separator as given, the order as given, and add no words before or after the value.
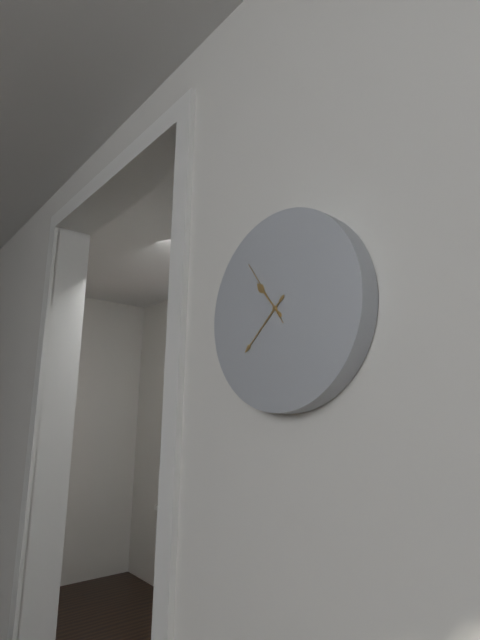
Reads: **10:38:54**
